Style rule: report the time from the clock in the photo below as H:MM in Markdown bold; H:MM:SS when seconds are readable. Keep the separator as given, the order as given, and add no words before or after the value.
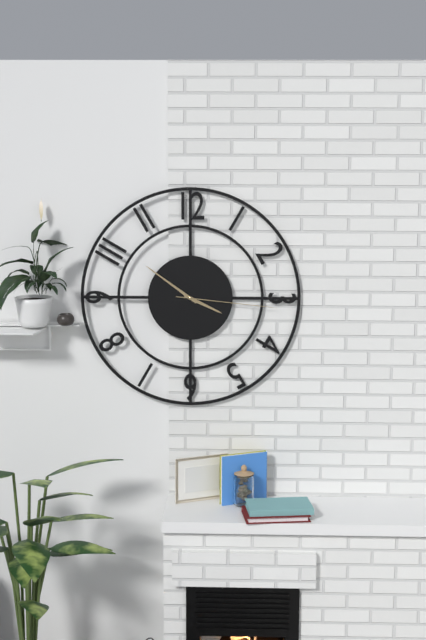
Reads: **3:51:16**
